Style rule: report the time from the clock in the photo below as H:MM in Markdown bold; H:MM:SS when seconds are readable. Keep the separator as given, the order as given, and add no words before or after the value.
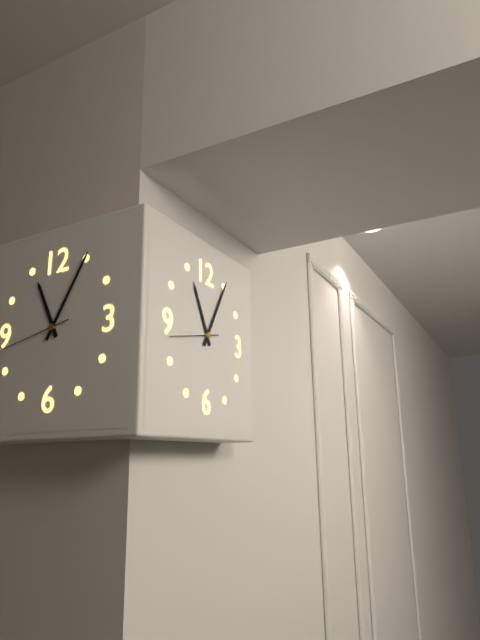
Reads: **11:05**
